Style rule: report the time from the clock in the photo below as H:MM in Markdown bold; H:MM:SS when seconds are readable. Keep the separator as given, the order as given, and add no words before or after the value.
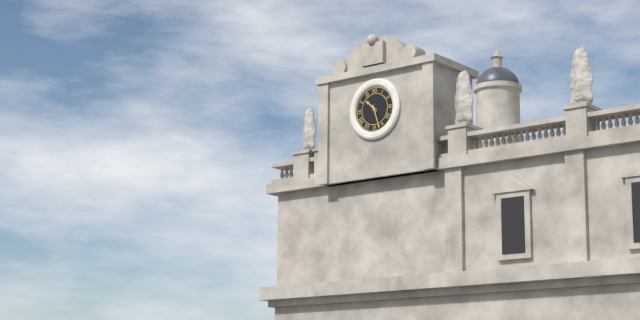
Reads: **10:27**
